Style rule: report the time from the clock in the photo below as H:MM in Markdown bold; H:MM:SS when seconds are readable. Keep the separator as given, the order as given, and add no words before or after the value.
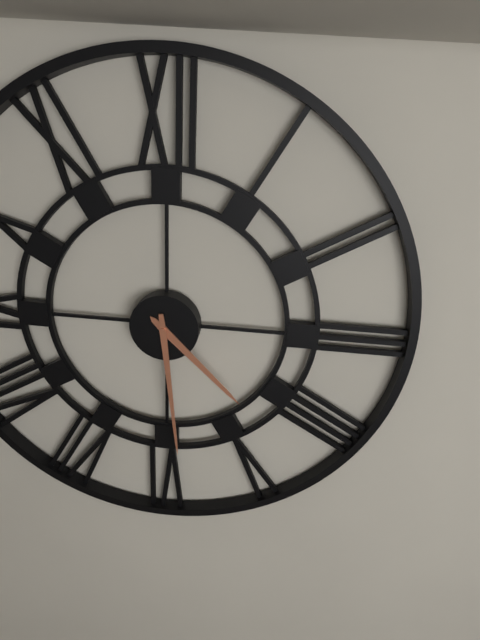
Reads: **4:29**
